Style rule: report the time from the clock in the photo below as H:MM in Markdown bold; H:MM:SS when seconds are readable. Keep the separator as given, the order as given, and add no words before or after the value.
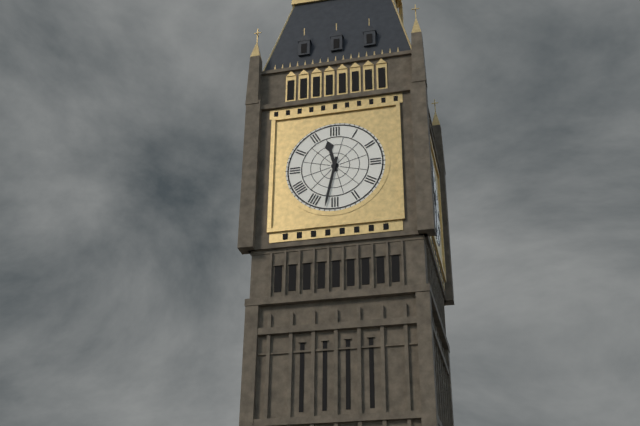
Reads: **11:32**
